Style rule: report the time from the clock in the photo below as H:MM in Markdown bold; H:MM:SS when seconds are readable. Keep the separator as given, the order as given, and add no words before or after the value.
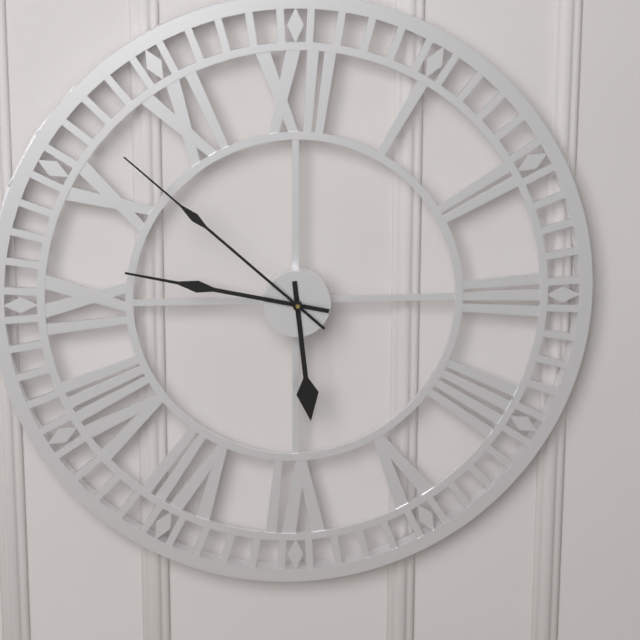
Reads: **5:47:52**
